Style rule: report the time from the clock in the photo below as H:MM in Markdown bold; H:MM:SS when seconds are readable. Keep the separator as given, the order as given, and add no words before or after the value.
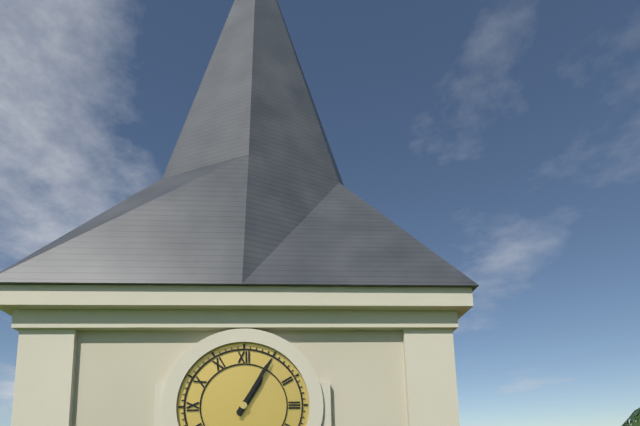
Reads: **1:05**
